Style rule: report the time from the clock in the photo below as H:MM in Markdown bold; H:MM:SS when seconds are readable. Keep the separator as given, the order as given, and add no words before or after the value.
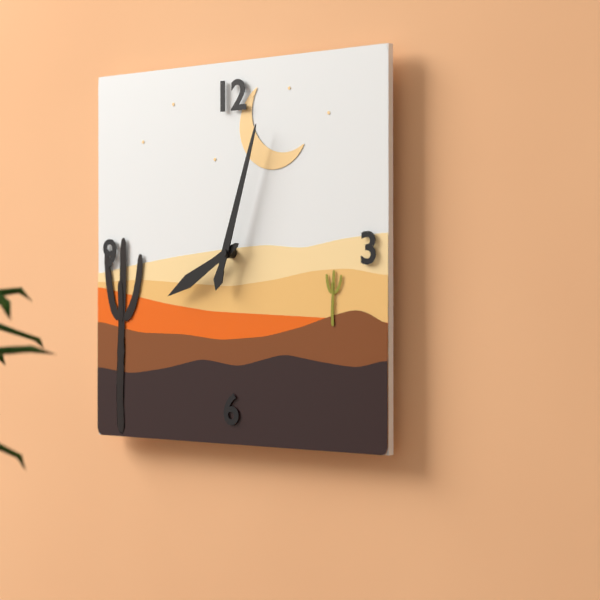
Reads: **8:03**
